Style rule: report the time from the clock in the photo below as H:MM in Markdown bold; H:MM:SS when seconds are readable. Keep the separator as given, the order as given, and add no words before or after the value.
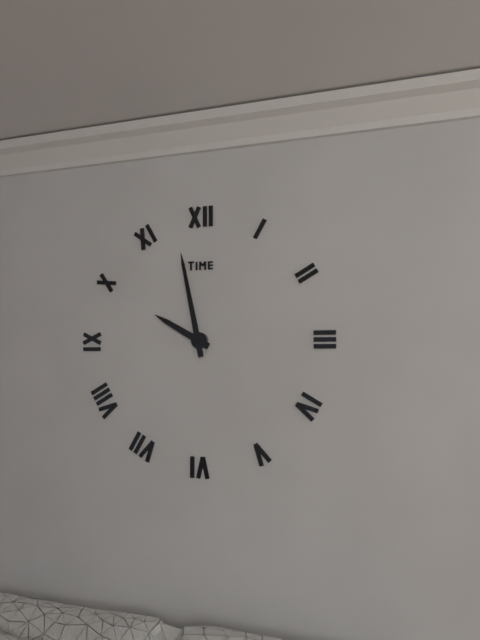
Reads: **9:58**
